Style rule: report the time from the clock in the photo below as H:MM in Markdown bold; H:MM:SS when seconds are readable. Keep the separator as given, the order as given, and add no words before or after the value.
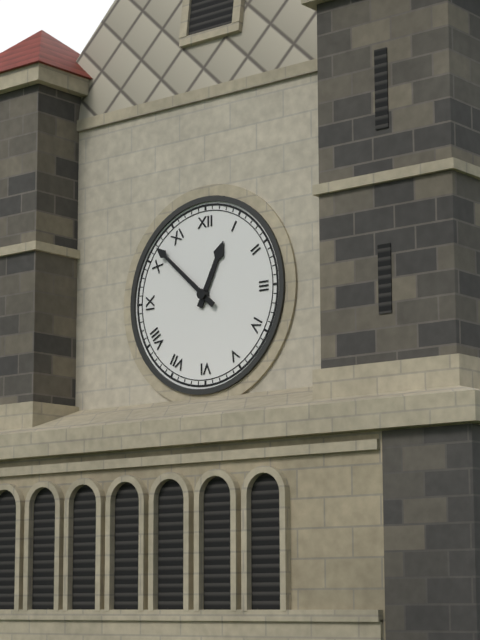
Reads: **12:52**
